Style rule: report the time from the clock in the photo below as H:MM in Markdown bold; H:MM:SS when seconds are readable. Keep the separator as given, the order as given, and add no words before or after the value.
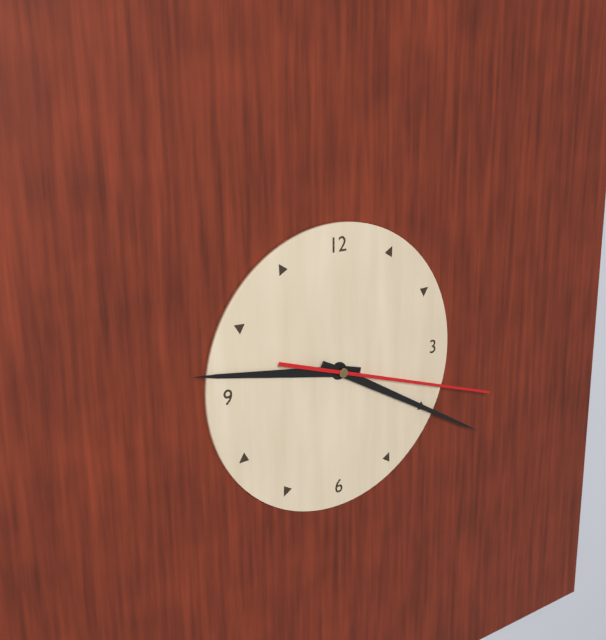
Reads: **9:20:18**
